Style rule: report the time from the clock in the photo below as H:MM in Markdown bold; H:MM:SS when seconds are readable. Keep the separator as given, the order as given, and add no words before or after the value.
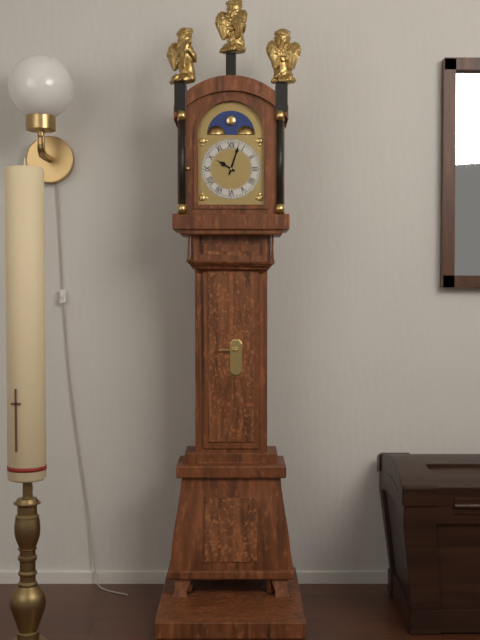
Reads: **10:03**
